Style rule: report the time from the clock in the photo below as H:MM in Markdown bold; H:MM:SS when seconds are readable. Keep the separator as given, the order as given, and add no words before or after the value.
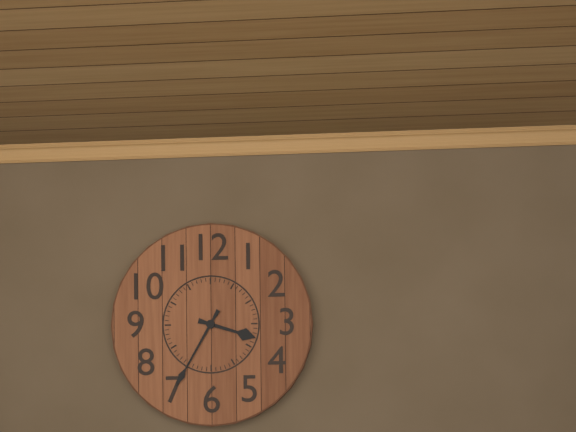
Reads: **3:35**
